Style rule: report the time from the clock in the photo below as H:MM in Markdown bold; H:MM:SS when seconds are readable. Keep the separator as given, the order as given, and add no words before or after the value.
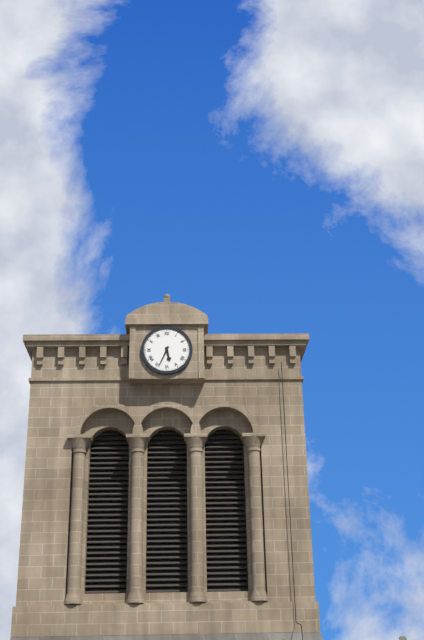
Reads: **5:34**
